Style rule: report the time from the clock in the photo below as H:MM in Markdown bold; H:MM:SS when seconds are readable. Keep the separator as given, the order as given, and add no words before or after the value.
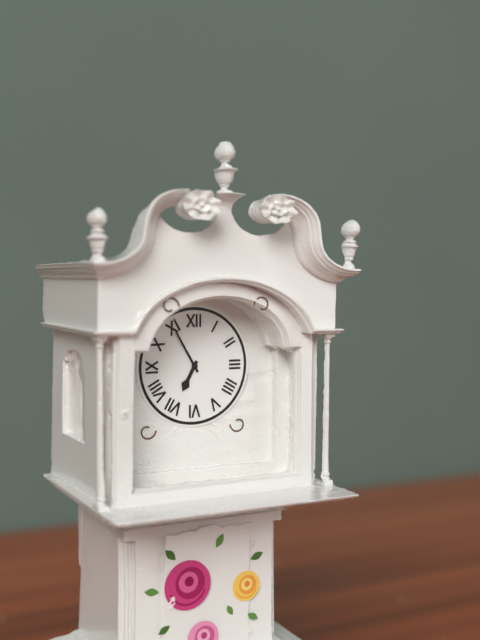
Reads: **6:55**
